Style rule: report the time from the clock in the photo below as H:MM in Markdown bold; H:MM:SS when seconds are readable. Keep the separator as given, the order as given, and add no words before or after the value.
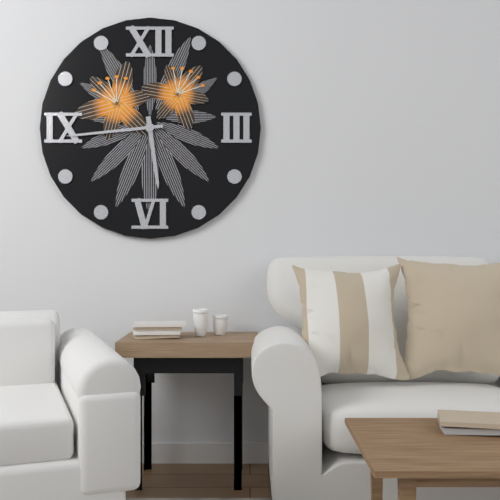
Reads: **5:44**
